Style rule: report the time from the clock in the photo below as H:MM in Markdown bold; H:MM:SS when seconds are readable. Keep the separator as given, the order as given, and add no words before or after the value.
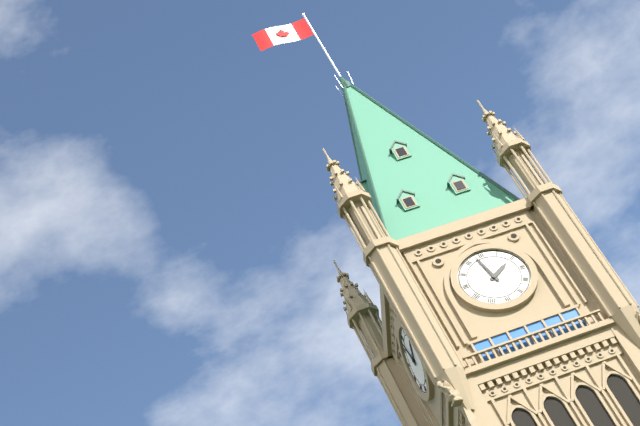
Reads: **1:58**
